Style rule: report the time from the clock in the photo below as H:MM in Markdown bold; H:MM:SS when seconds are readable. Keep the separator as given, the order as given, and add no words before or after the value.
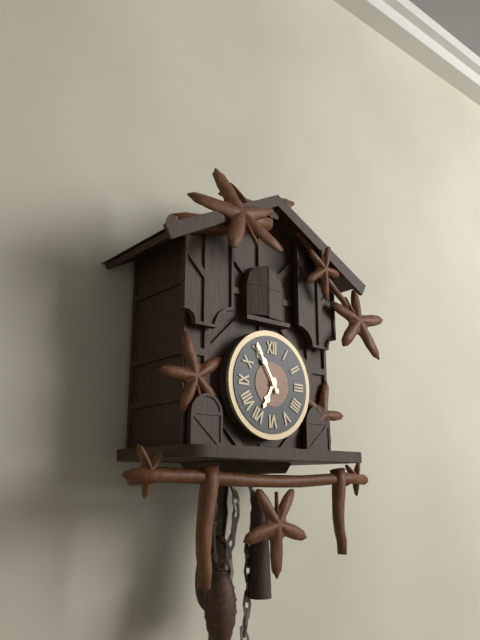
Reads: **6:55**
